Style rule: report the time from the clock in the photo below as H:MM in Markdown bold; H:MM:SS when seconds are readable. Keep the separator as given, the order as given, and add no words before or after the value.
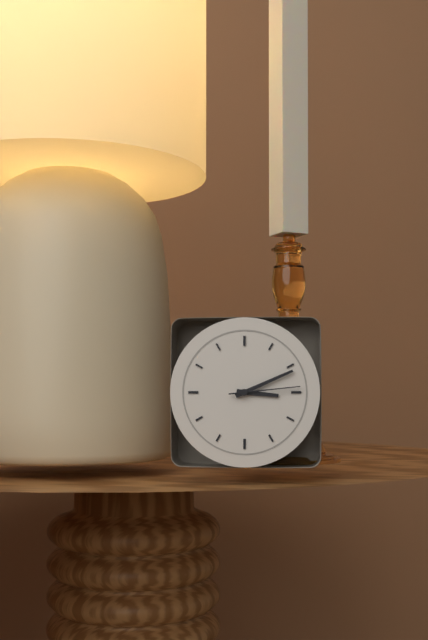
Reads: **3:11:14**
